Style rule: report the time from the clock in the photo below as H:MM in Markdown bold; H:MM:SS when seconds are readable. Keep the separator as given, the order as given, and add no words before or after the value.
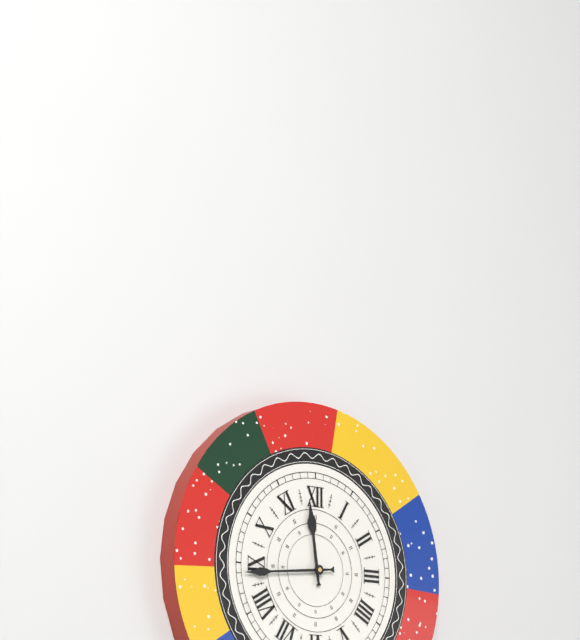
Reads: **11:44**
